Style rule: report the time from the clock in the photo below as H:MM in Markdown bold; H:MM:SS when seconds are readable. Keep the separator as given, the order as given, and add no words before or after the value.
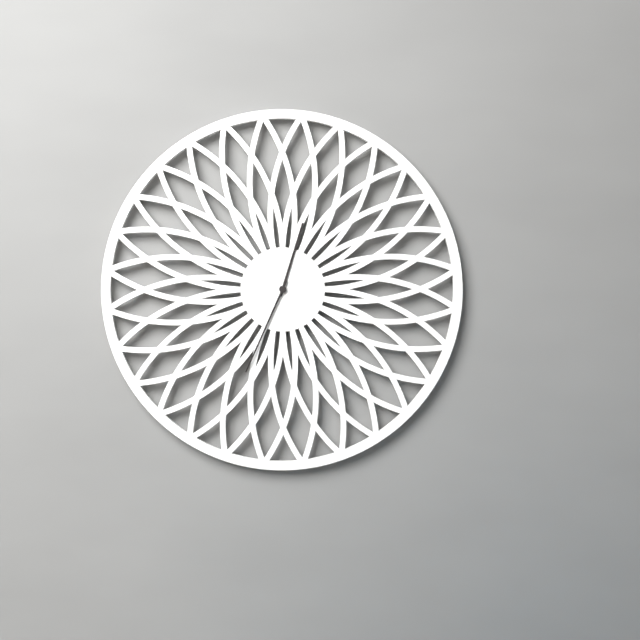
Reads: **12:34**
